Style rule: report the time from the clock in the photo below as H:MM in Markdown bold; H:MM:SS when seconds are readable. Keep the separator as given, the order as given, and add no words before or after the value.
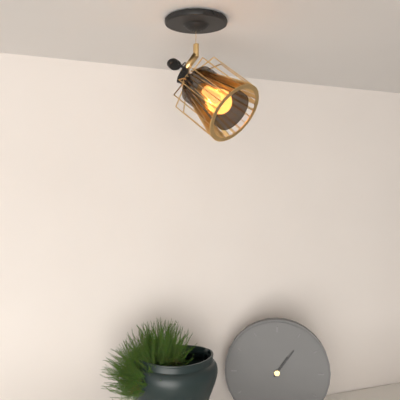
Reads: **1:06**
